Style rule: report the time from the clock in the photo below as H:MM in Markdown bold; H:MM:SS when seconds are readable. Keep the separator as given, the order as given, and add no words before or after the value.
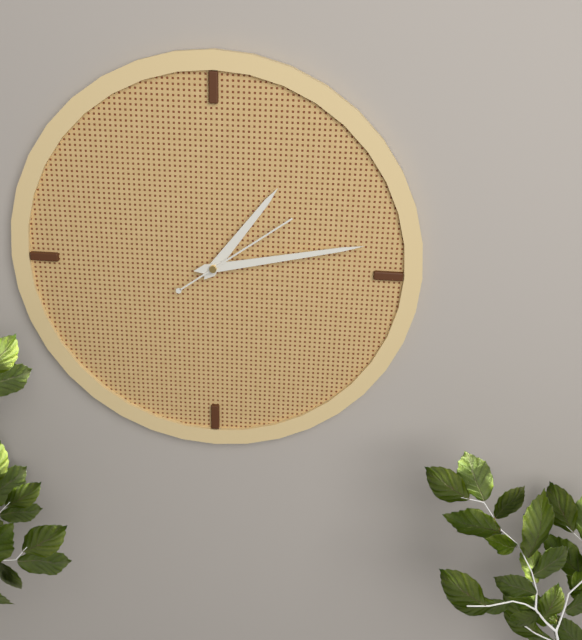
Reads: **1:13:09**
